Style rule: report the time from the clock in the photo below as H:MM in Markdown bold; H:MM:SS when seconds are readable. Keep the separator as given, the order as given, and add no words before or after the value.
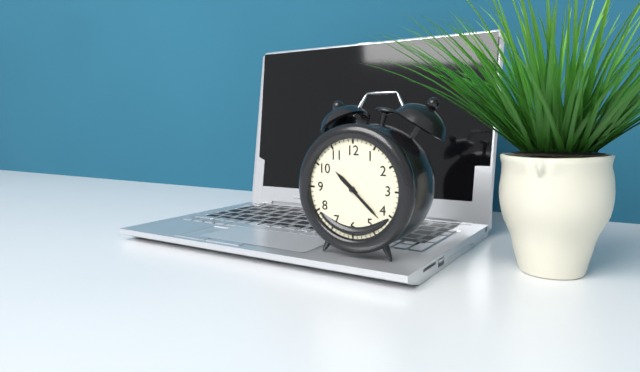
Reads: **10:22**
